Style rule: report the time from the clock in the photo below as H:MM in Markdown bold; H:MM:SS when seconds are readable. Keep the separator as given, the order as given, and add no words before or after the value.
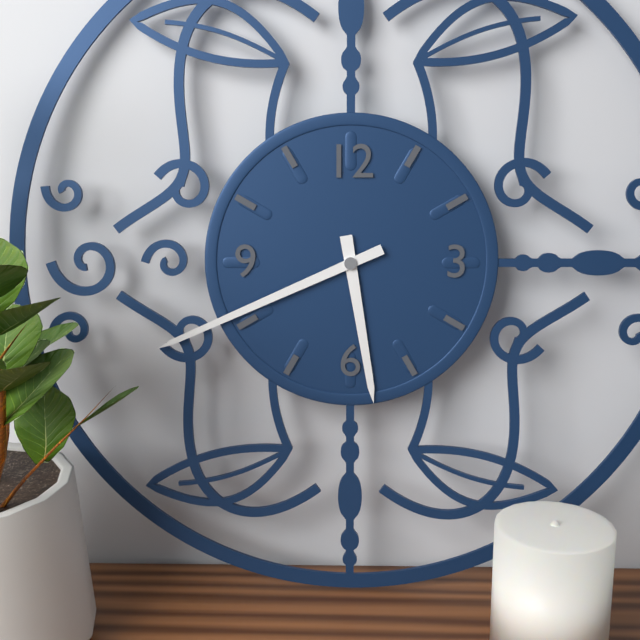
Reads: **5:41**
